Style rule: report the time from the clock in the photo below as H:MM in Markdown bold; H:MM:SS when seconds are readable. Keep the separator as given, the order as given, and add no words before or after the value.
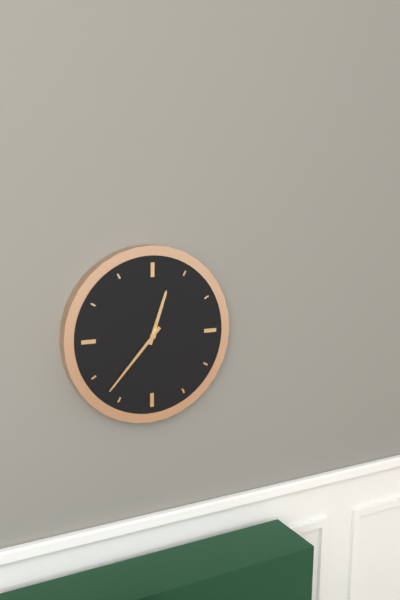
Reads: **12:37**
